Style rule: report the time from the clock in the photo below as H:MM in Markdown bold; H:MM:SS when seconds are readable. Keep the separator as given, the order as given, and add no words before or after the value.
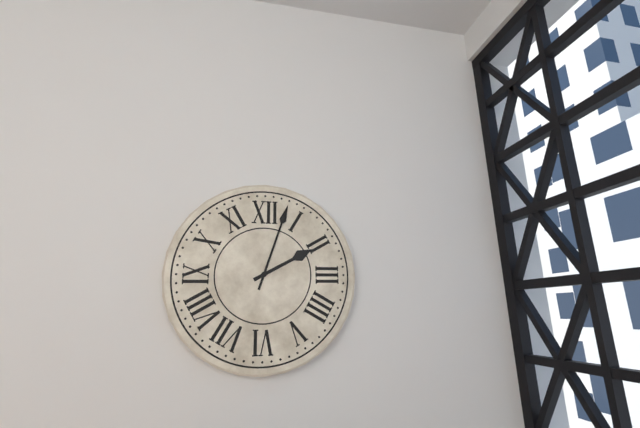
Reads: **2:03**
